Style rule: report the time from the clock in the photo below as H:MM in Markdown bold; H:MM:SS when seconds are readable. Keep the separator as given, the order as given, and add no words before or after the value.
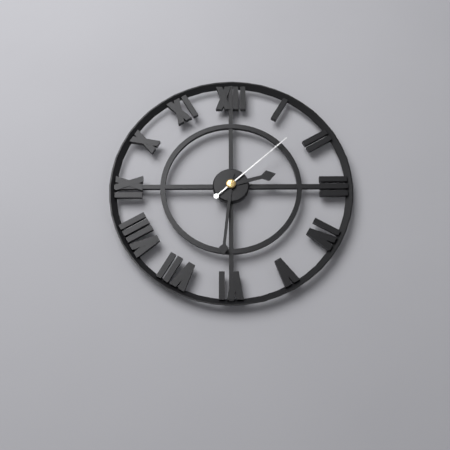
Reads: **2:31:08**
